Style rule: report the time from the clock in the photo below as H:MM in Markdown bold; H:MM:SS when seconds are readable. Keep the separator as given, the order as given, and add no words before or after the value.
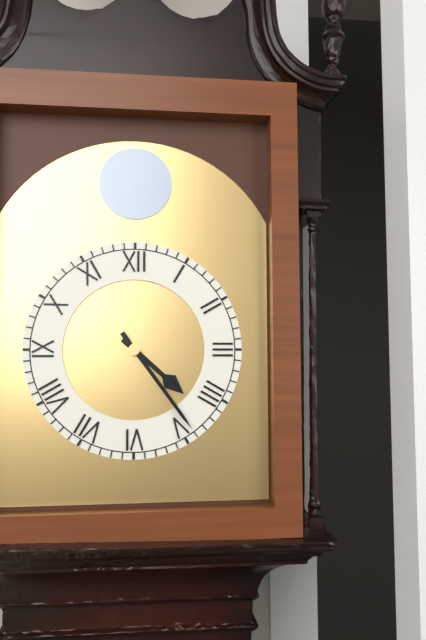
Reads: **4:24**
